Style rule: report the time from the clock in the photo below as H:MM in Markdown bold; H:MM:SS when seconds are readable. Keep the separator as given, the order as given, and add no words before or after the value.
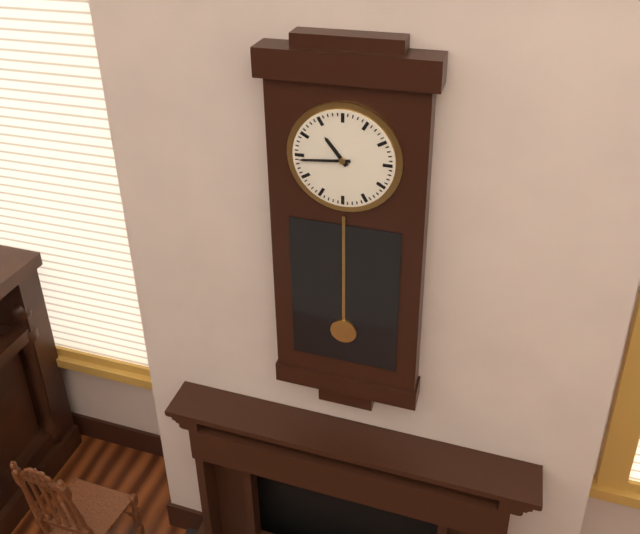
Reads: **10:44**
